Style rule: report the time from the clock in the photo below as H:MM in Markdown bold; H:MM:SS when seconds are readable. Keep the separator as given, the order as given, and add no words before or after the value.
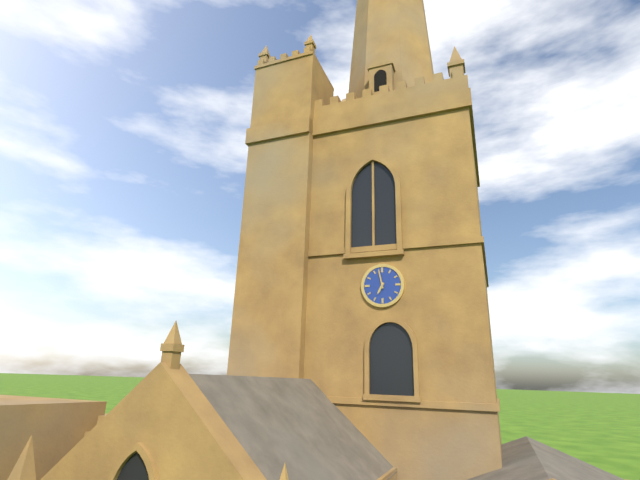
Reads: **6:58**
